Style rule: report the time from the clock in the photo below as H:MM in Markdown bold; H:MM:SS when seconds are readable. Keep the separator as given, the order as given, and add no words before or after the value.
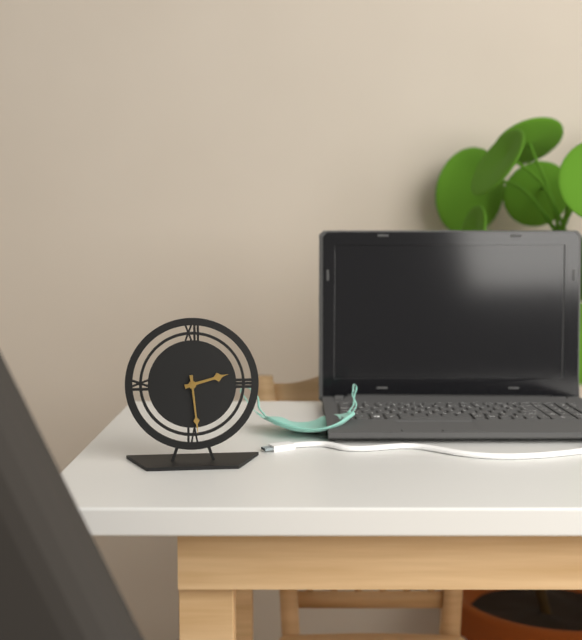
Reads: **2:29**
